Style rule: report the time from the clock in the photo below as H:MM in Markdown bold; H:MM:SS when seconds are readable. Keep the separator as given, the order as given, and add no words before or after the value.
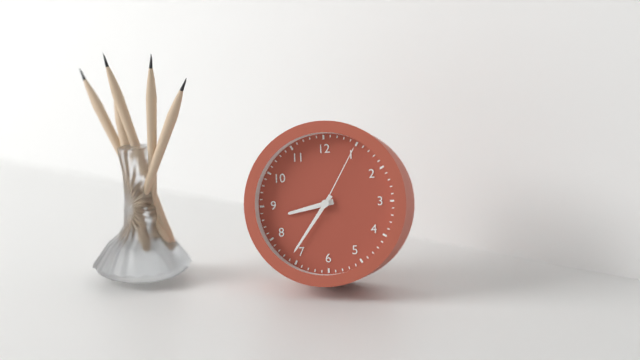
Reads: **8:36:05**
